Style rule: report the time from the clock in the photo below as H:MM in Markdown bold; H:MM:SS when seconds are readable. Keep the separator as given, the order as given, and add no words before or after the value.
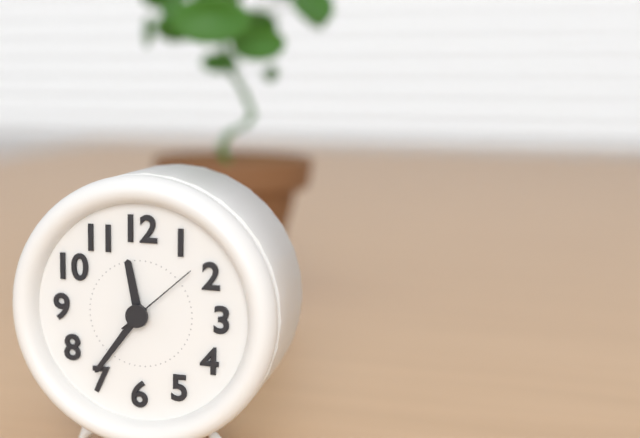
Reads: **11:36:08**
